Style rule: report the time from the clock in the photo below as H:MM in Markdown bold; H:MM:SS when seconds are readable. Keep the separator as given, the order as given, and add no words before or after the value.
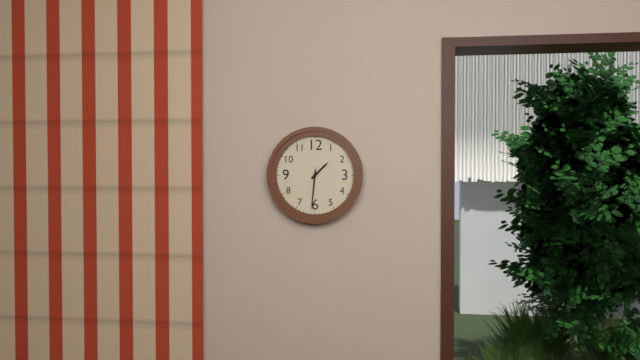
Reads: **1:31**
